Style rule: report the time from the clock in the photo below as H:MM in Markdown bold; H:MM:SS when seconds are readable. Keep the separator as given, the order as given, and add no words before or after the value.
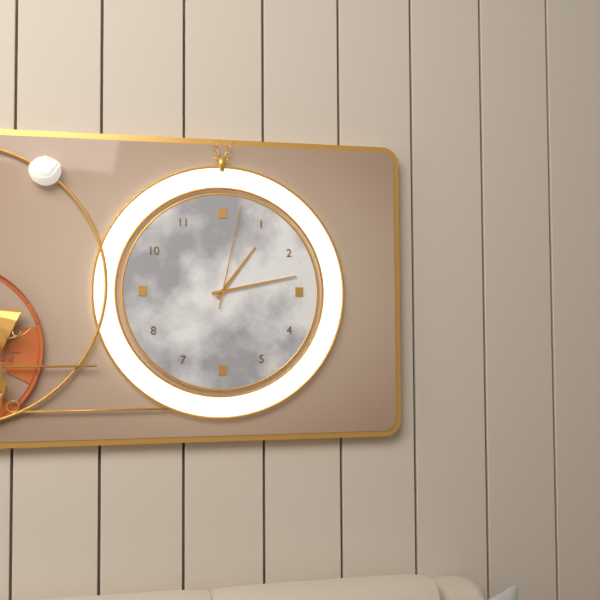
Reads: **1:13:02**
